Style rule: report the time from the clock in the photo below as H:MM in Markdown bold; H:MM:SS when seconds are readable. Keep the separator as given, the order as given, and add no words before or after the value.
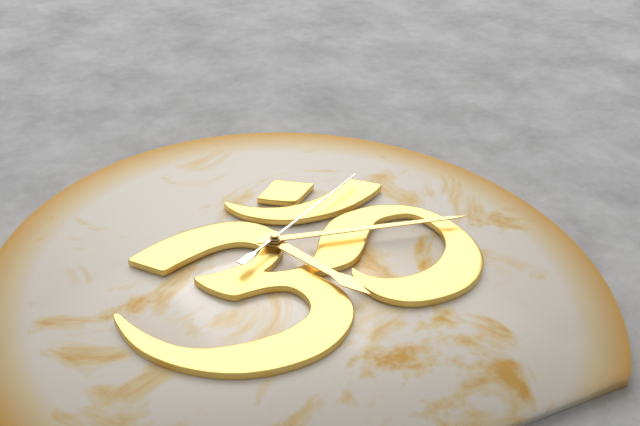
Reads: **5:17:10**
